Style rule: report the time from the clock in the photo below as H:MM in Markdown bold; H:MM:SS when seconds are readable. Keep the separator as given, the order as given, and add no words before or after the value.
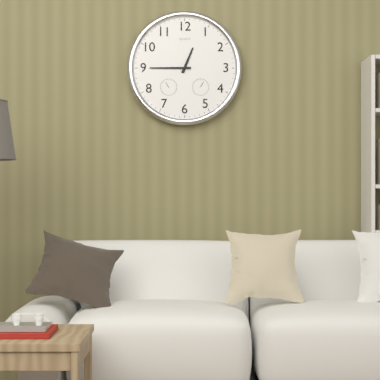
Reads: **12:45**
